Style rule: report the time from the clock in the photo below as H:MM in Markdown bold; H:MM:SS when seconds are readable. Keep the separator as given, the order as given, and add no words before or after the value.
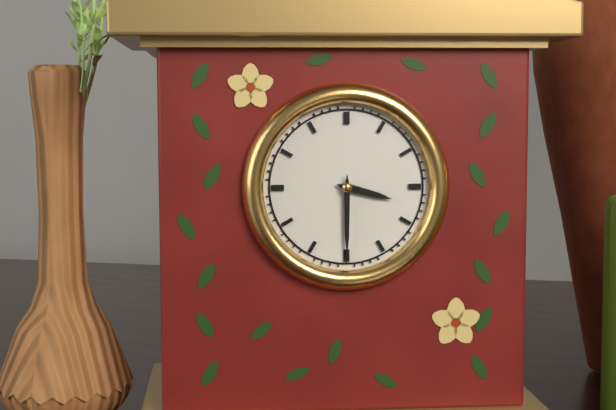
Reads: **3:30**
